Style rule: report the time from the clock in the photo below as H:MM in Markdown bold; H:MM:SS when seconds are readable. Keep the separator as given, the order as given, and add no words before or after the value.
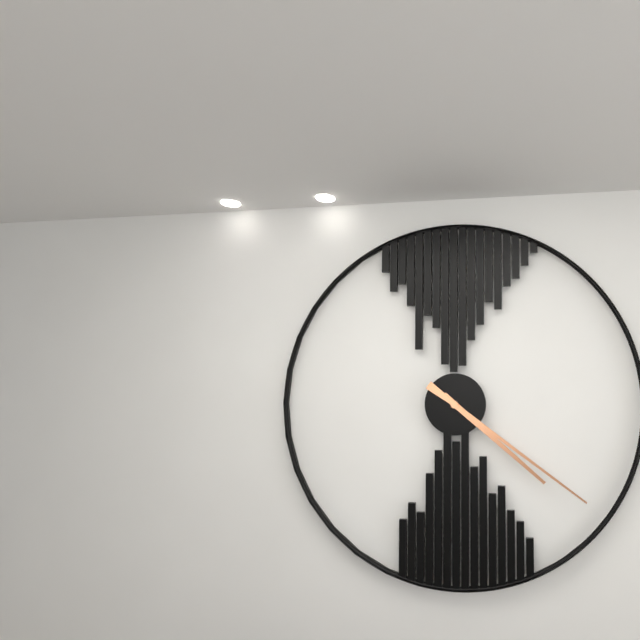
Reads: **4:21**
